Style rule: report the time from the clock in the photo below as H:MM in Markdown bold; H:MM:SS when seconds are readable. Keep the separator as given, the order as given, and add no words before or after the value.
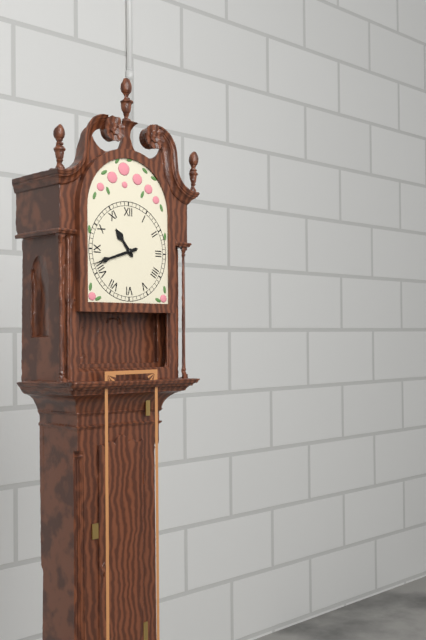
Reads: **10:42**
